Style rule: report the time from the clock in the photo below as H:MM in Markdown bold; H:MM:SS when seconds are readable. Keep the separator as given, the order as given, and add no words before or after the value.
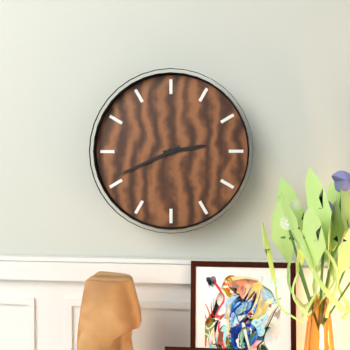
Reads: **2:41**
